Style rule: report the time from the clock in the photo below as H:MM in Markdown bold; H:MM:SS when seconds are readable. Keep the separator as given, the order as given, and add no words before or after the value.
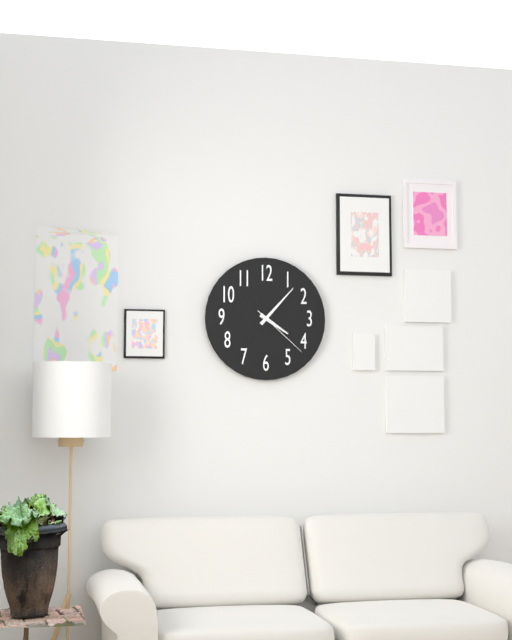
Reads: **4:07:22**
